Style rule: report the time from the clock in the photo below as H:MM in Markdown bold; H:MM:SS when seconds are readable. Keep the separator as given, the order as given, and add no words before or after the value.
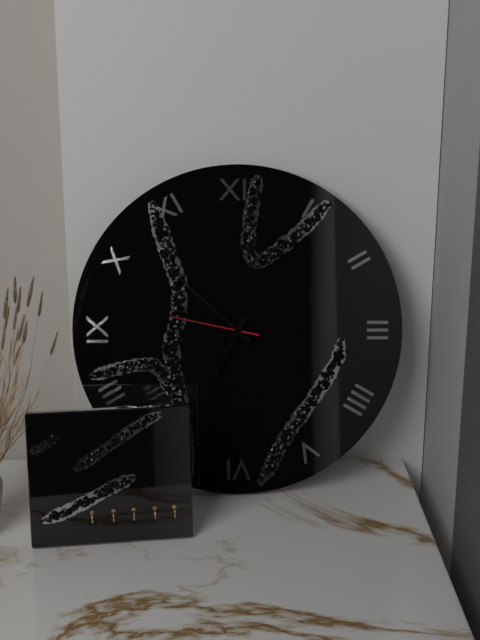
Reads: **6:52:47**
